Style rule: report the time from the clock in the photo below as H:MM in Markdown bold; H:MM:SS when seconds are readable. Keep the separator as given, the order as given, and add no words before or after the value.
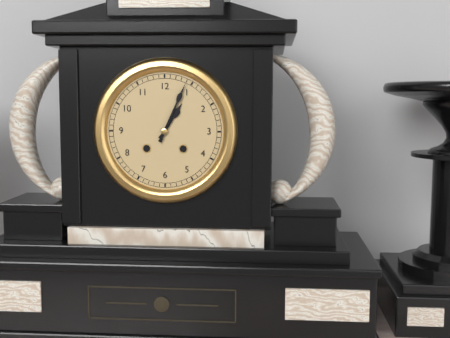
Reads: **1:04**
